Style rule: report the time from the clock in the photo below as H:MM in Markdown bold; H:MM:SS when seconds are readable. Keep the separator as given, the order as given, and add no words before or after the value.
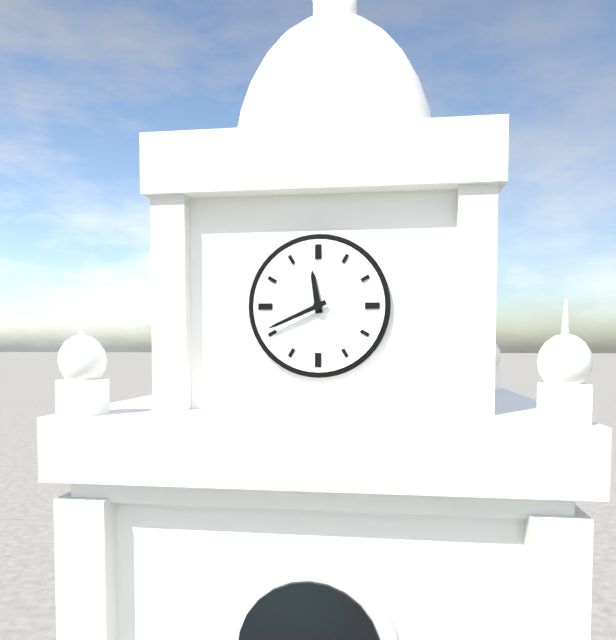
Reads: **11:41**
